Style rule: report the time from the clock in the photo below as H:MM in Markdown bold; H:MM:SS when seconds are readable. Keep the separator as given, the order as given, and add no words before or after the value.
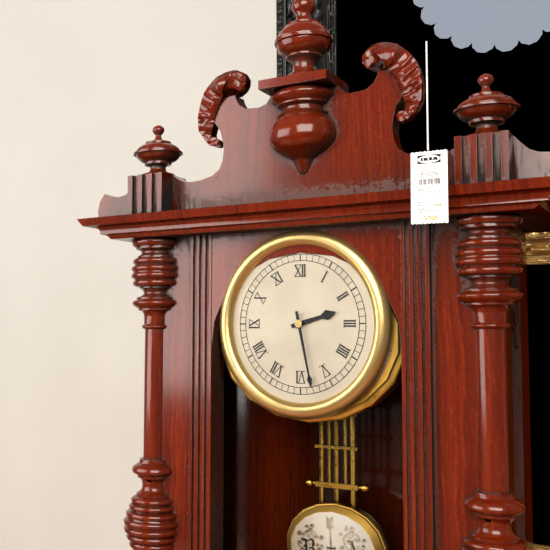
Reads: **2:28**
